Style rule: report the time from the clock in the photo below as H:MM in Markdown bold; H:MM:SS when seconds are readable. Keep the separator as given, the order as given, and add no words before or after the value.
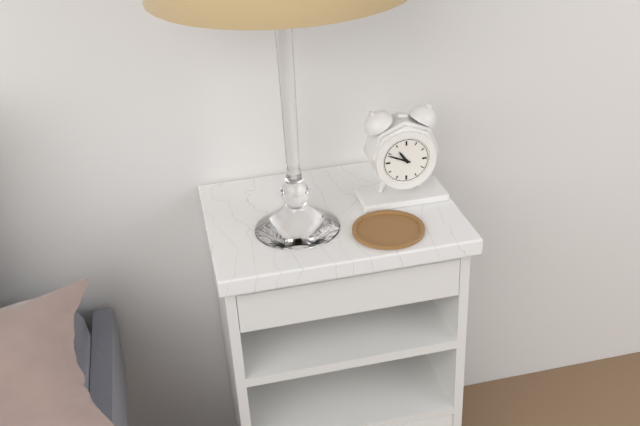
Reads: **10:49**
